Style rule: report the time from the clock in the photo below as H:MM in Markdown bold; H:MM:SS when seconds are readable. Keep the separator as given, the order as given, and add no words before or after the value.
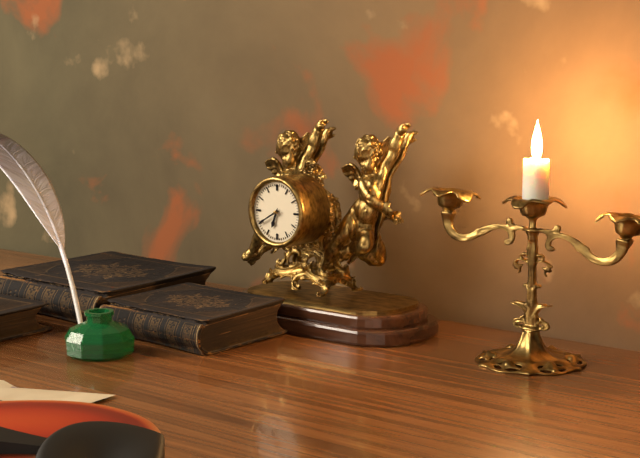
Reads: **6:40**
